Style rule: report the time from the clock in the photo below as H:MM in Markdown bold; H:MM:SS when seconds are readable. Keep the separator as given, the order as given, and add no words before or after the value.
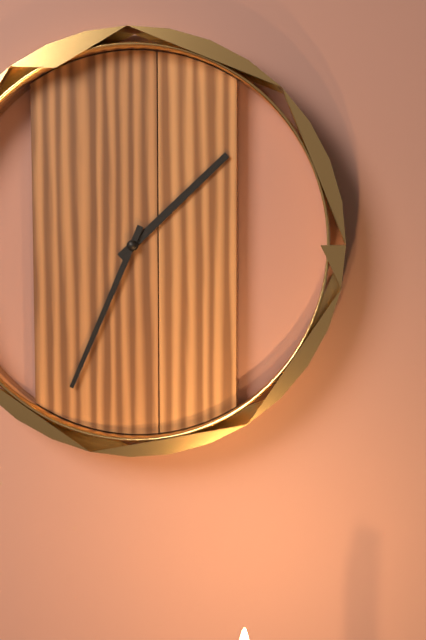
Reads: **1:34**
